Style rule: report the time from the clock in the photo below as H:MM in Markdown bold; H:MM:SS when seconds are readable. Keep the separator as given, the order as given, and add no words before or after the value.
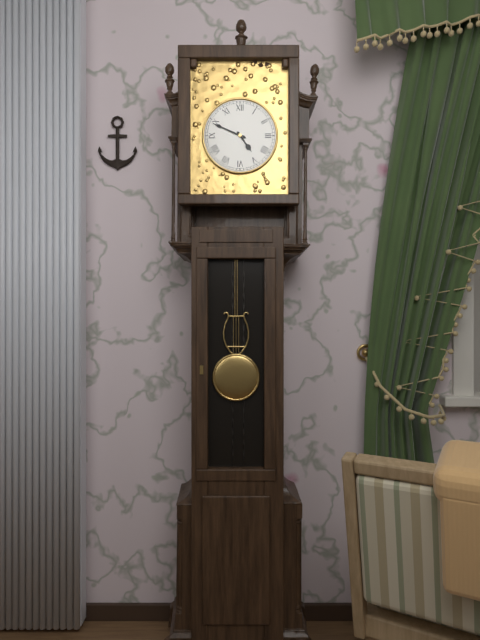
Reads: **4:49**
